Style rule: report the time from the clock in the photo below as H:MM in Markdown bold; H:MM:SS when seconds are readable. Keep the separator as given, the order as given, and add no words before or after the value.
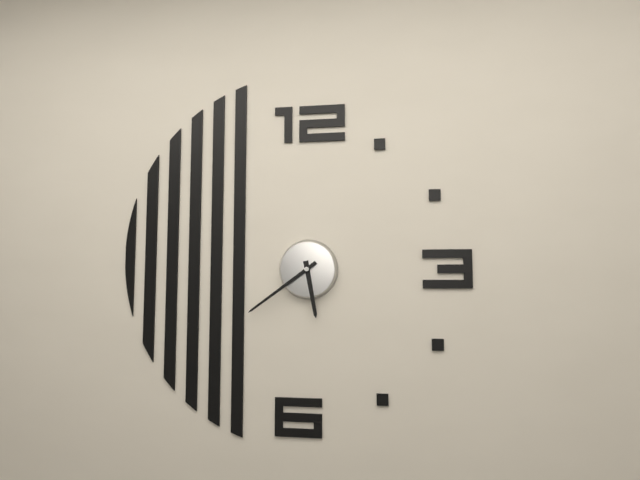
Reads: **5:39**
